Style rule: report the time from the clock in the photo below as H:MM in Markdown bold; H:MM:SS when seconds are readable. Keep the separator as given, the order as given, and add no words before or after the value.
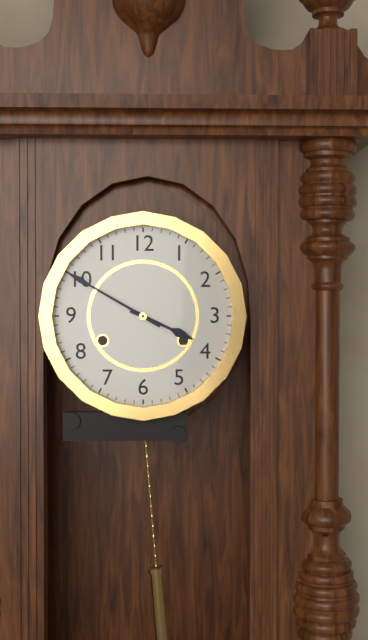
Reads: **3:50**
